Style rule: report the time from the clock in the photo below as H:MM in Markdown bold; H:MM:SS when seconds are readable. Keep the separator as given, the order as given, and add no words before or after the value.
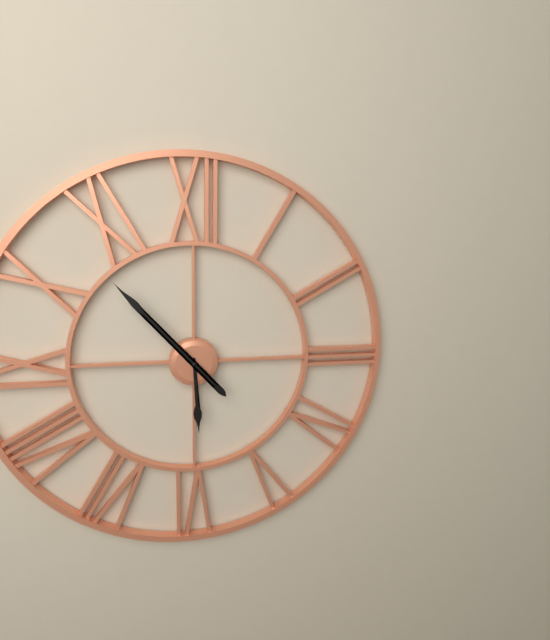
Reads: **5:53**
